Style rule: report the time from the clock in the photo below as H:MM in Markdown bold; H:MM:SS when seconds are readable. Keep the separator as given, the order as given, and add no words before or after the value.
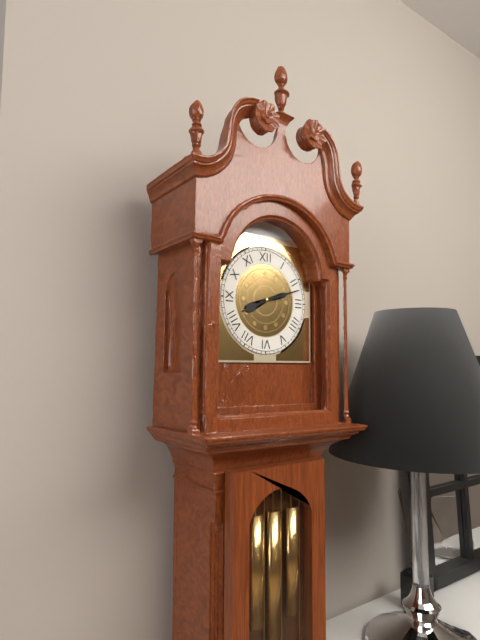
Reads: **8:12**
